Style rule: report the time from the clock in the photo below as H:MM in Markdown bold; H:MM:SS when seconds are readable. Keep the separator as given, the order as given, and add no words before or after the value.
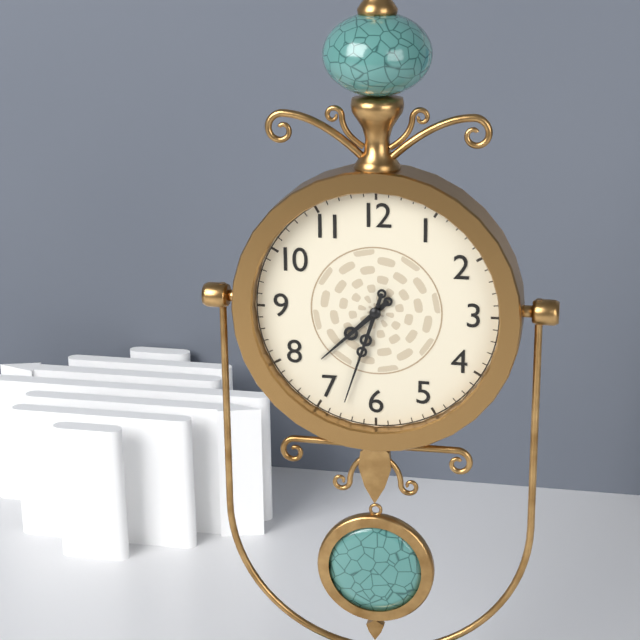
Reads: **7:33**
